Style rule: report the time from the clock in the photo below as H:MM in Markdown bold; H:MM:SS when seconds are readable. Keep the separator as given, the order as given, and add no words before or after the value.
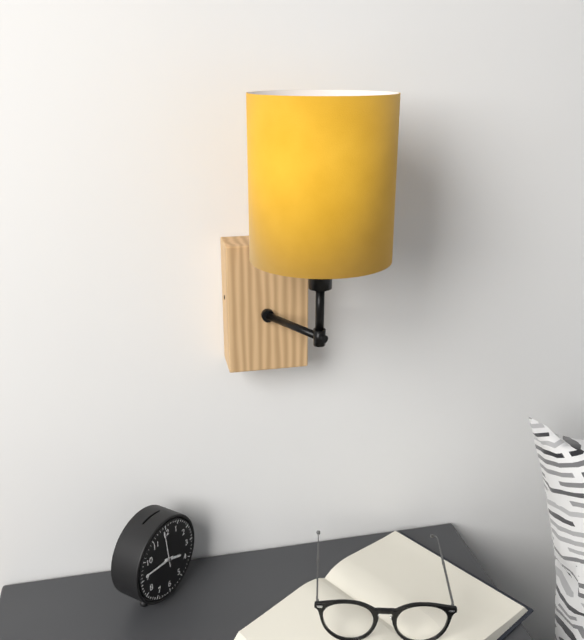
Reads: **3:46**
